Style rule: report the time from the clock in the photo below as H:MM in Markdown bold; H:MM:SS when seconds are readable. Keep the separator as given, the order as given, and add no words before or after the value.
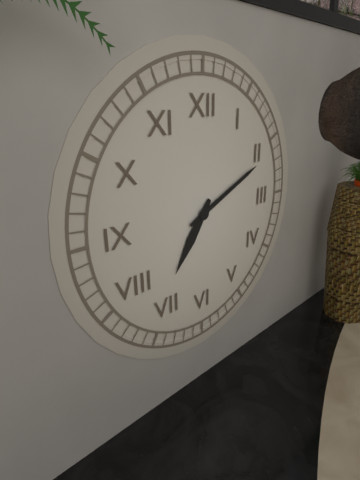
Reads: **7:11**
